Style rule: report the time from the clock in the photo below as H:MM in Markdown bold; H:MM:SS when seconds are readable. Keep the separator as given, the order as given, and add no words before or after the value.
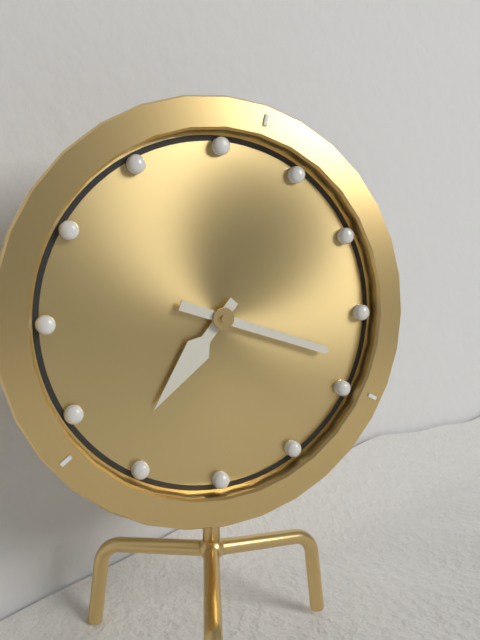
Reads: **7:18**
